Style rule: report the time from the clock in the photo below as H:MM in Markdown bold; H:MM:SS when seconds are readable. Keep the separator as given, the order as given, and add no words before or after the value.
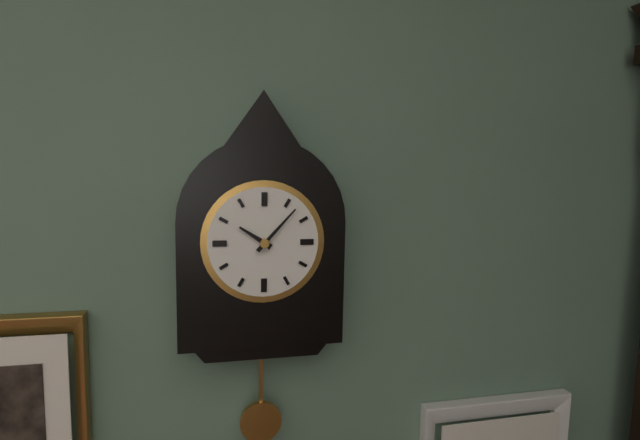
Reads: **10:07**
